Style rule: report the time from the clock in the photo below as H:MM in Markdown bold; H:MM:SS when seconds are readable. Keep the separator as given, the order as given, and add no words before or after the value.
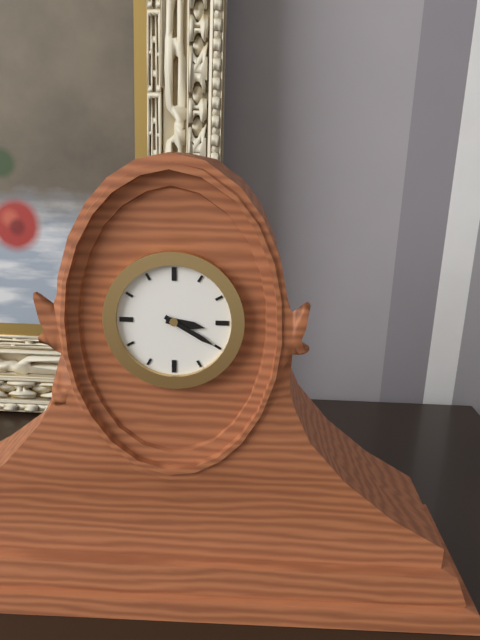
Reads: **3:20**
